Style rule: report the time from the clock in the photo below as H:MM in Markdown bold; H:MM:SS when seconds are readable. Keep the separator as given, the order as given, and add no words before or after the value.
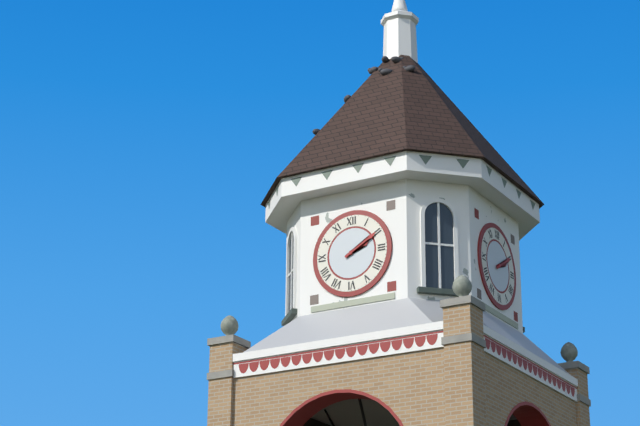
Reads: **2:10**
